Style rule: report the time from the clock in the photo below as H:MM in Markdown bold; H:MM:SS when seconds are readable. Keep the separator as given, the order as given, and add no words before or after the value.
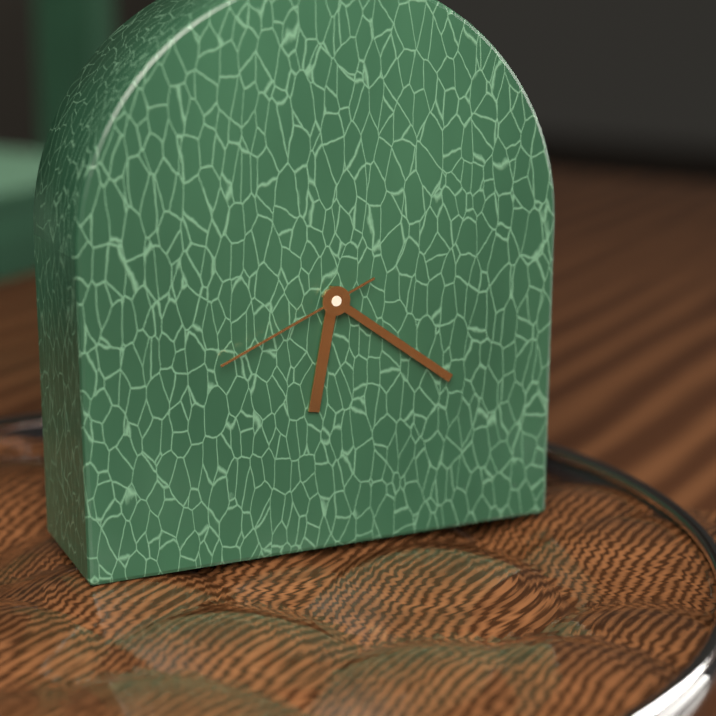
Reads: **6:21:41**
